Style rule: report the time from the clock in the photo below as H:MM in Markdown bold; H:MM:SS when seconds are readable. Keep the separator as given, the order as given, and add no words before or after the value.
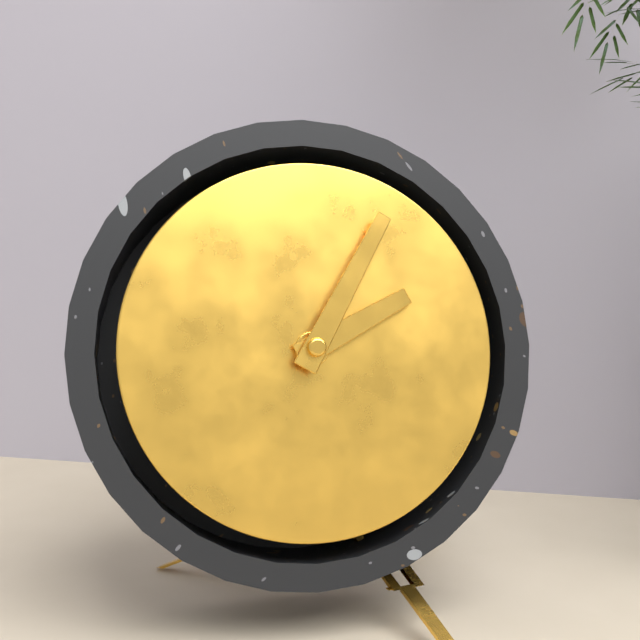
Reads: **2:05**
